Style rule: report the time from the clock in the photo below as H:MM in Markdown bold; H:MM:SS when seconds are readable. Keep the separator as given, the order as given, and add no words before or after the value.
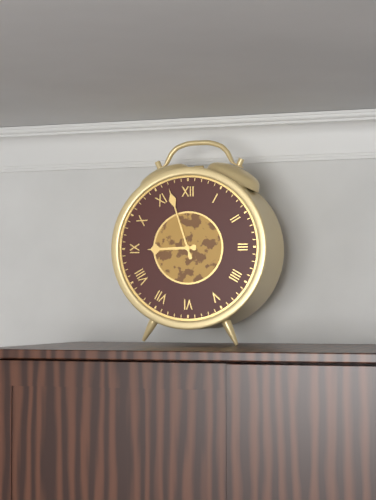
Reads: **8:57**
